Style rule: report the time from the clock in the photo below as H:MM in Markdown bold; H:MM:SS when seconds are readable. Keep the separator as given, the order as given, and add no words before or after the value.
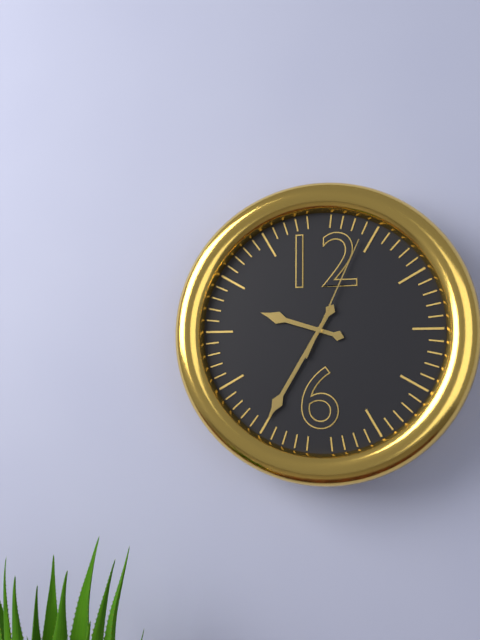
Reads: **9:35:04**
